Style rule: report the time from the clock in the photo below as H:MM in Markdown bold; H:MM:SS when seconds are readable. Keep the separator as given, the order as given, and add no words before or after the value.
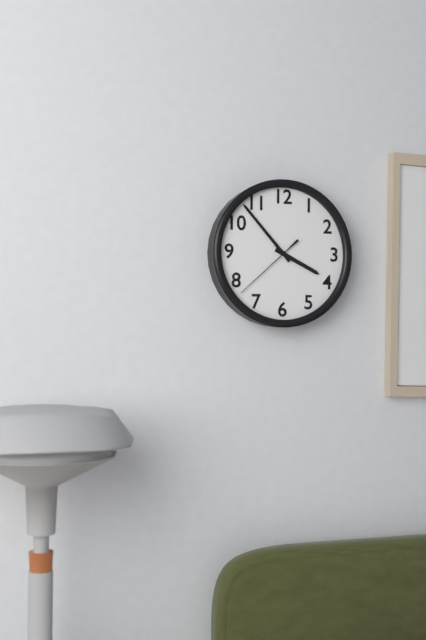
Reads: **3:53:38**
